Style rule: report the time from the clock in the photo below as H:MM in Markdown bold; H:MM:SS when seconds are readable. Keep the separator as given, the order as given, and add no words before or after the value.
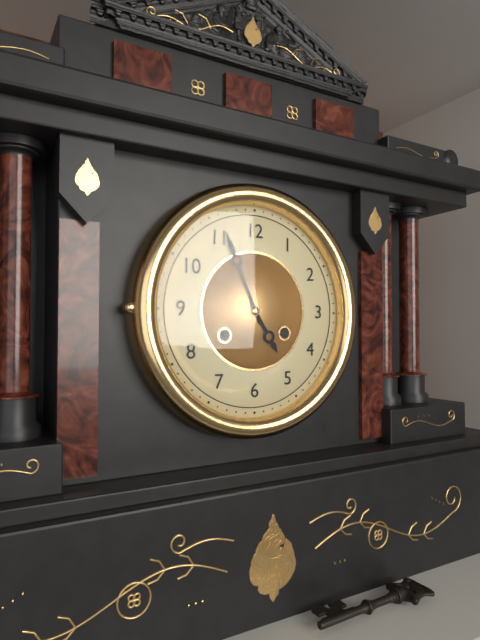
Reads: **4:56**
